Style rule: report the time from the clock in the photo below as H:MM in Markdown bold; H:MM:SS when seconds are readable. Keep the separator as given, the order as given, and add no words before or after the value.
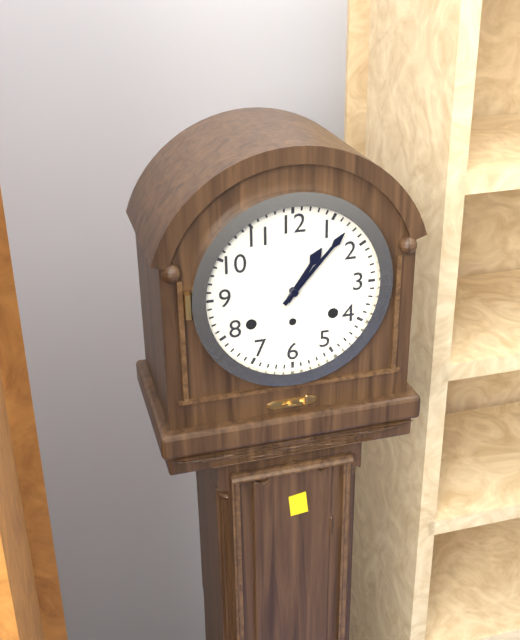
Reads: **1:07**
